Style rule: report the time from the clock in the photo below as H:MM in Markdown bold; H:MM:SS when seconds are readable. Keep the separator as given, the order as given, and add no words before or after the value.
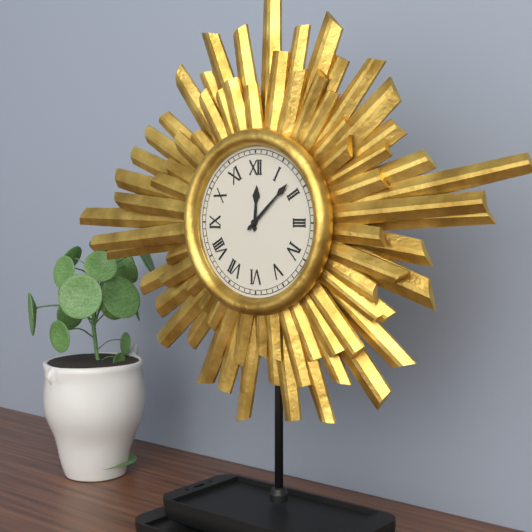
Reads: **12:08**
